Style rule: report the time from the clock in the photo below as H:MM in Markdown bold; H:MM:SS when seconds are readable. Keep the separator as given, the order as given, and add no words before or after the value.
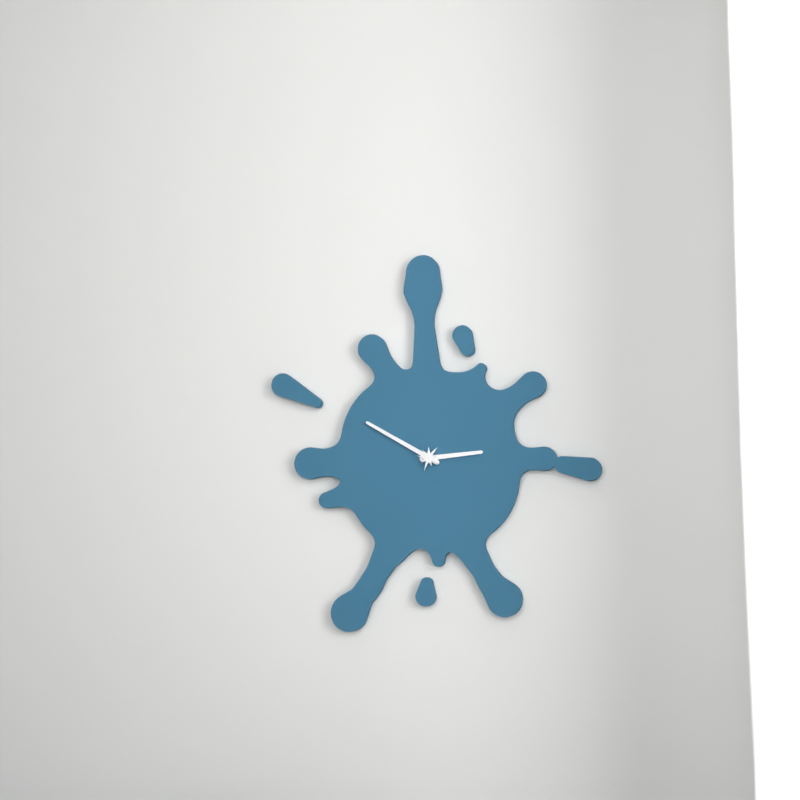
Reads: **2:50**
